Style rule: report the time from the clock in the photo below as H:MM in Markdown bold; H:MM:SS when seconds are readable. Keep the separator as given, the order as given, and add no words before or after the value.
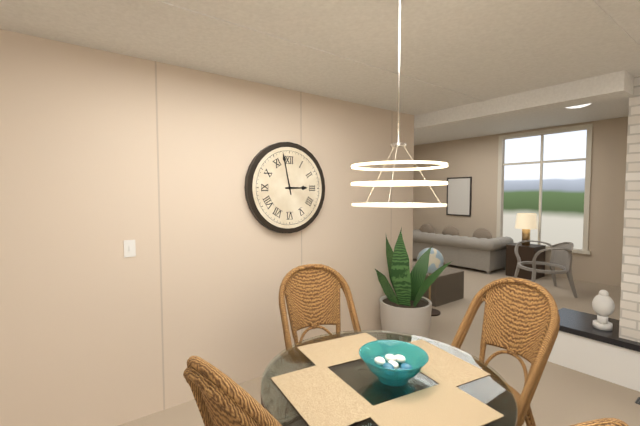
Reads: **2:58**
